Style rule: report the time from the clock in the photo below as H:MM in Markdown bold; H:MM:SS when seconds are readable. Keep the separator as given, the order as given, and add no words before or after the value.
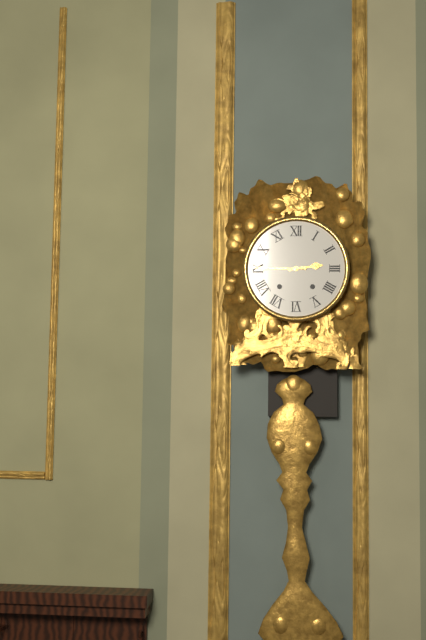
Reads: **2:45**
